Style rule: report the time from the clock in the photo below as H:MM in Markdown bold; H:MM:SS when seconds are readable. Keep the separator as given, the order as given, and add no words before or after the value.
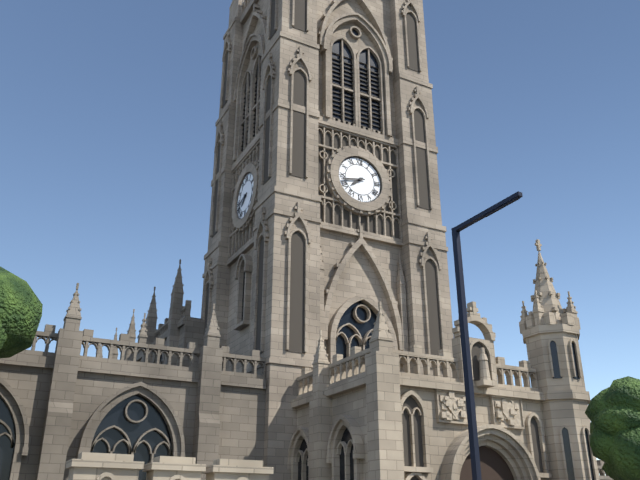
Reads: **7:43**
